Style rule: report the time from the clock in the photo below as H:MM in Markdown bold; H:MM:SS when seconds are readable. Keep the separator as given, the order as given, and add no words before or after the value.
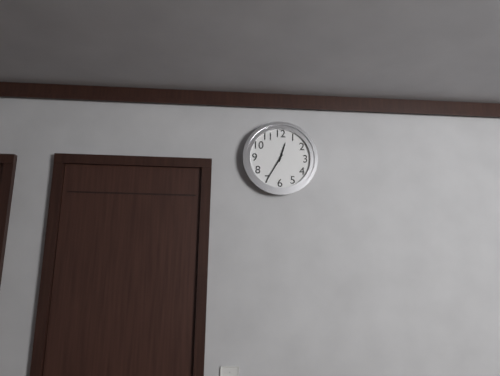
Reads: **12:35**
